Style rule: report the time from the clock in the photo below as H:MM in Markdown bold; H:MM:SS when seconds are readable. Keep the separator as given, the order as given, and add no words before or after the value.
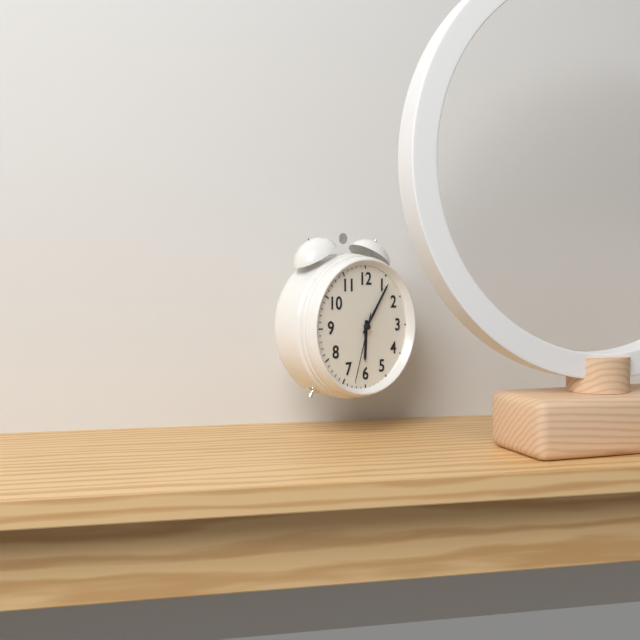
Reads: **6:06:33**
